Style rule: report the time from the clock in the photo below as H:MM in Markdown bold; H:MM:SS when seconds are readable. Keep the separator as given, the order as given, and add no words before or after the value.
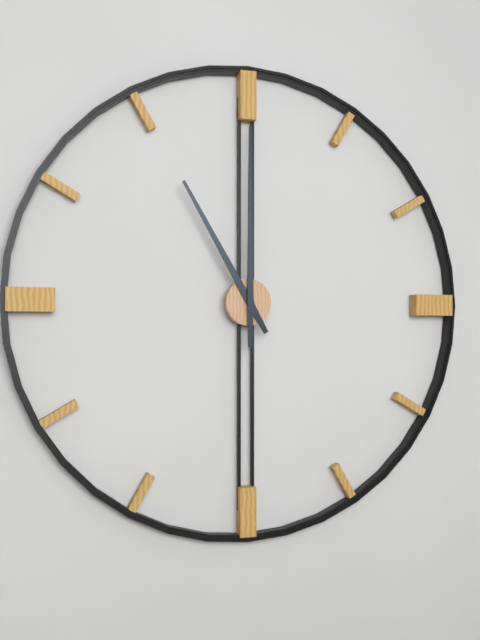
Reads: **11:00**
